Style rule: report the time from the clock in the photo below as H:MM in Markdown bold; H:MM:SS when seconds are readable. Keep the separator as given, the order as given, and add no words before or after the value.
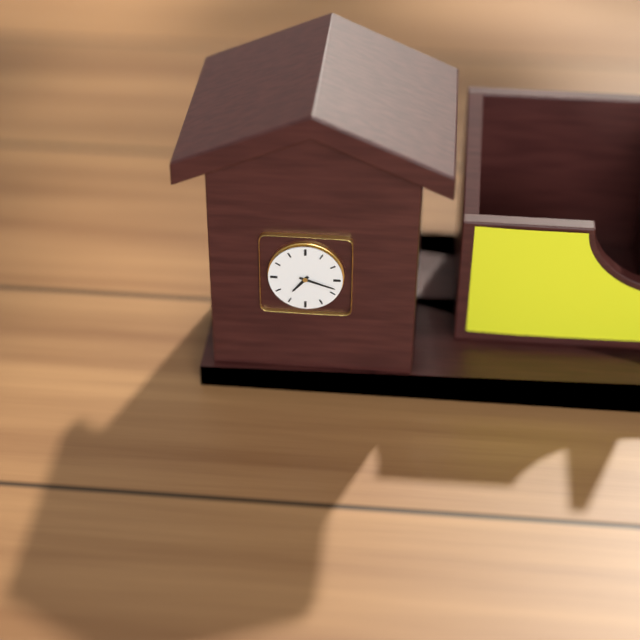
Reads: **7:18**
